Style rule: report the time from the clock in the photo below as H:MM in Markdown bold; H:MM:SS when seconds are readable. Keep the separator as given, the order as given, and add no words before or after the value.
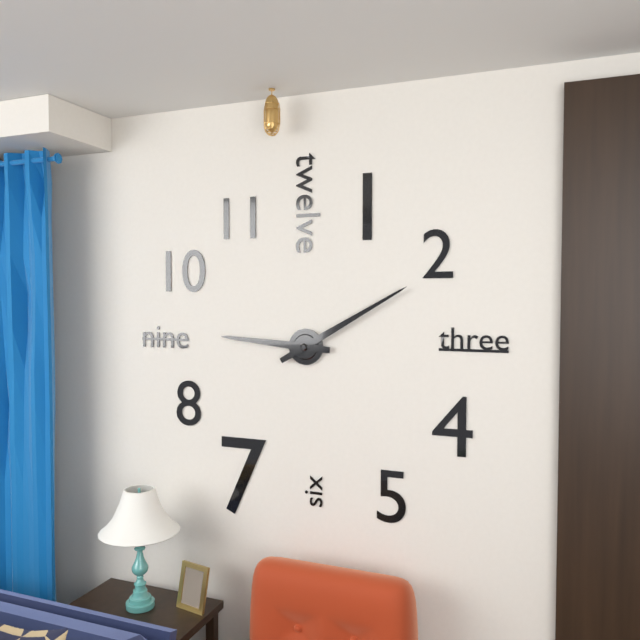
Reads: **9:10**
